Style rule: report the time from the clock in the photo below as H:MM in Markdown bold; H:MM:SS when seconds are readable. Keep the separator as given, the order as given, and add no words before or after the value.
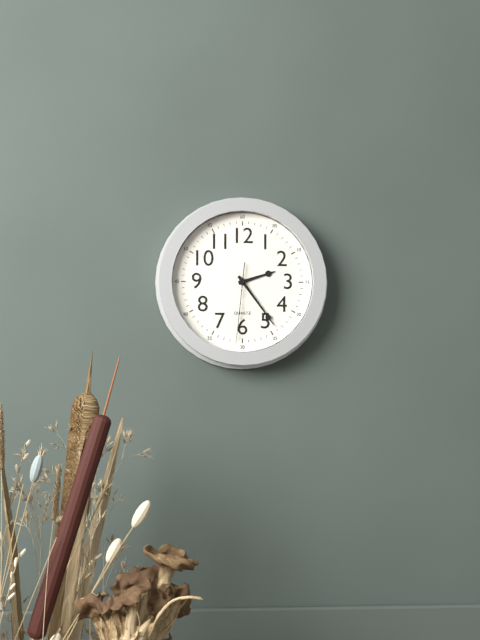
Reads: **2:24:31**
